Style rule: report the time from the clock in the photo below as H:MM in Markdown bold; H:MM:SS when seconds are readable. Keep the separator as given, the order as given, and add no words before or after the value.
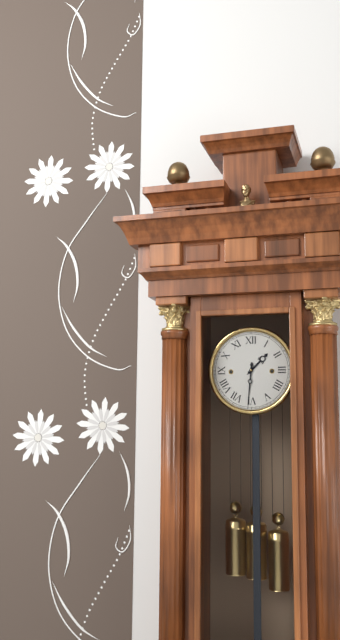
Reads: **1:31**
